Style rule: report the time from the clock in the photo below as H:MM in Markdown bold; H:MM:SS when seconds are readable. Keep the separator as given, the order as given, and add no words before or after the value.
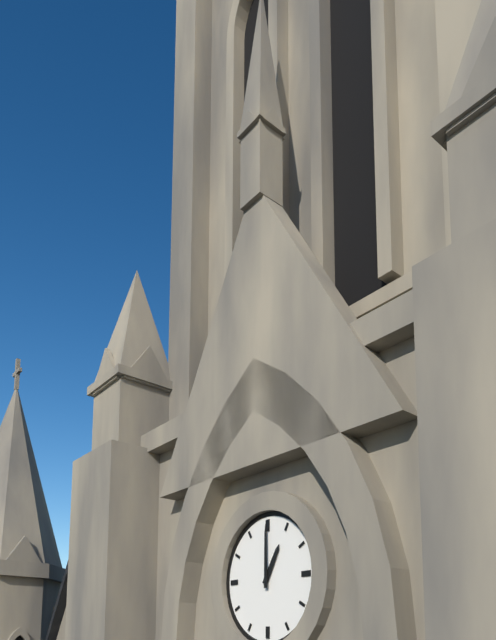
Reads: **1:00**
